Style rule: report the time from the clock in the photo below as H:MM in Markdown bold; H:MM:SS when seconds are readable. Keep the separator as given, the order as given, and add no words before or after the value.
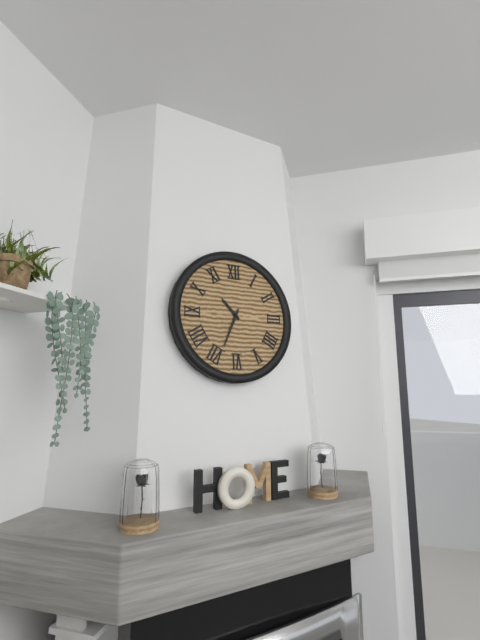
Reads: **10:34**
